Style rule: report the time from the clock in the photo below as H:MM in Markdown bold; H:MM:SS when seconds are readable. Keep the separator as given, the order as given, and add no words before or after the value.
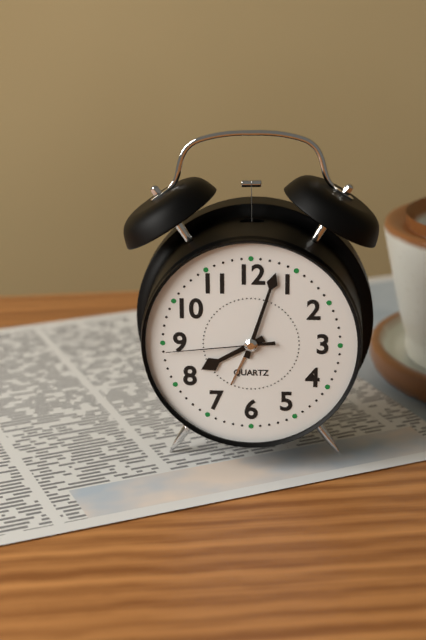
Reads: **8:03:44**
